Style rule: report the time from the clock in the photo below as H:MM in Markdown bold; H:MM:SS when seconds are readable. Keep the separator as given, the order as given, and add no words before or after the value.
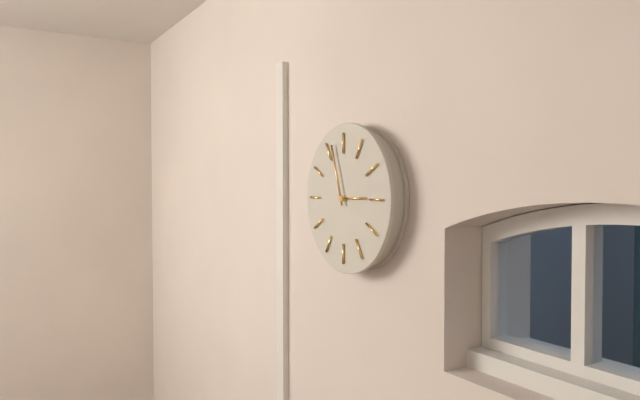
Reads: **2:57**
